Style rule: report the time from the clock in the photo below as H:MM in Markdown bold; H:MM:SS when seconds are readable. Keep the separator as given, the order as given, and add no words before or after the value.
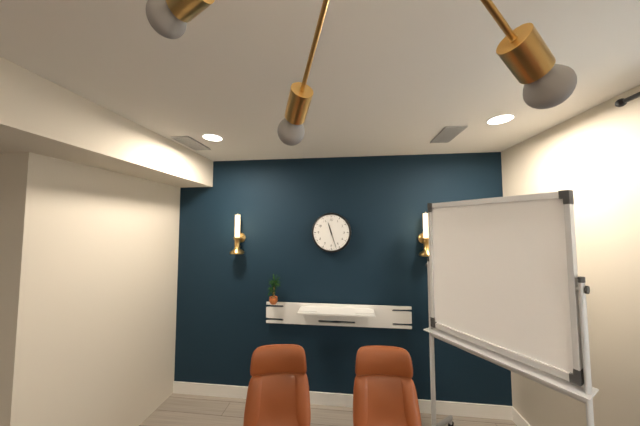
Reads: **11:27**
